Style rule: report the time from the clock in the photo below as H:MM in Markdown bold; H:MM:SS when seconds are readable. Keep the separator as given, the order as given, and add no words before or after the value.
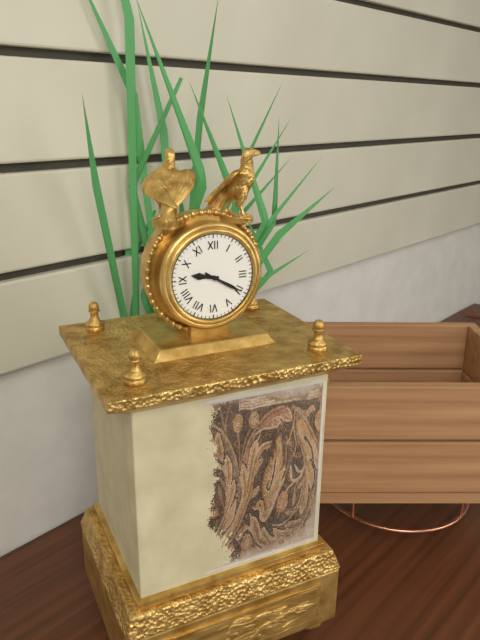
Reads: **9:20**
